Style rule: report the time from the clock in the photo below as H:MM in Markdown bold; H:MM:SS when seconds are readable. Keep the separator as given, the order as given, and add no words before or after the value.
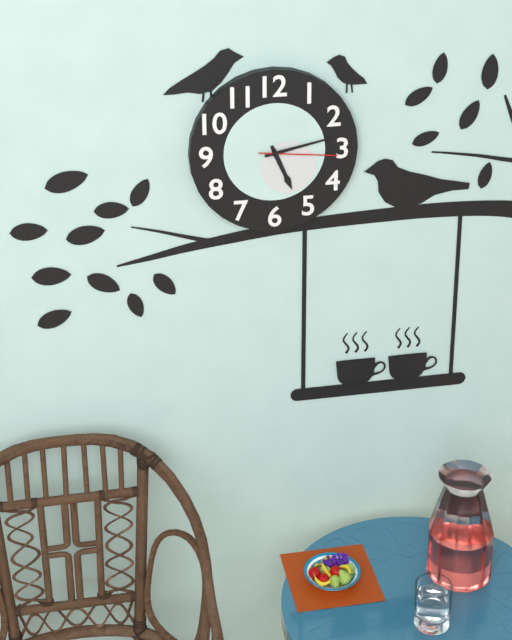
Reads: **5:13:16**
